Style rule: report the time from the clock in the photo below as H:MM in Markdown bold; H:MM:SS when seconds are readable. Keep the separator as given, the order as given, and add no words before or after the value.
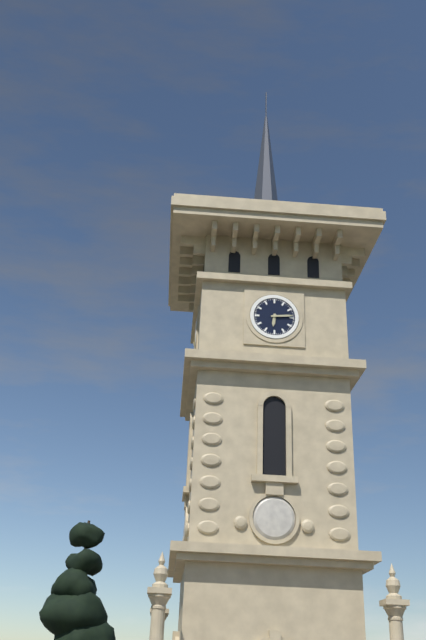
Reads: **6:14**
